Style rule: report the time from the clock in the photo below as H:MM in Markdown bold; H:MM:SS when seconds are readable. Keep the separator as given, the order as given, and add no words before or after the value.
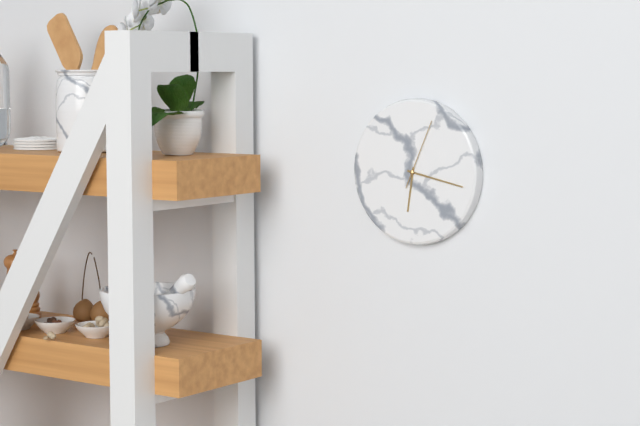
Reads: **6:17:04**
